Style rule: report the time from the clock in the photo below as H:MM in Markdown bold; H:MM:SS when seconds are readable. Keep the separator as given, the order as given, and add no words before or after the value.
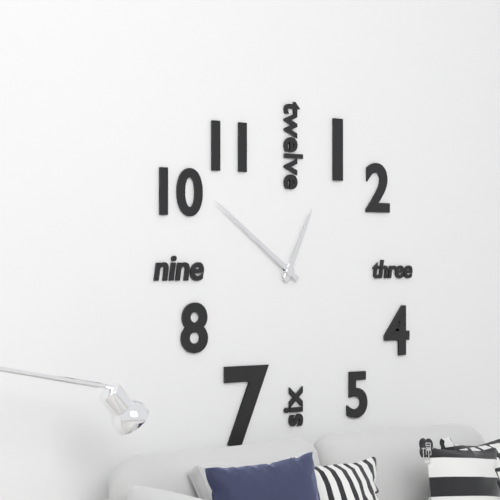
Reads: **12:51**
